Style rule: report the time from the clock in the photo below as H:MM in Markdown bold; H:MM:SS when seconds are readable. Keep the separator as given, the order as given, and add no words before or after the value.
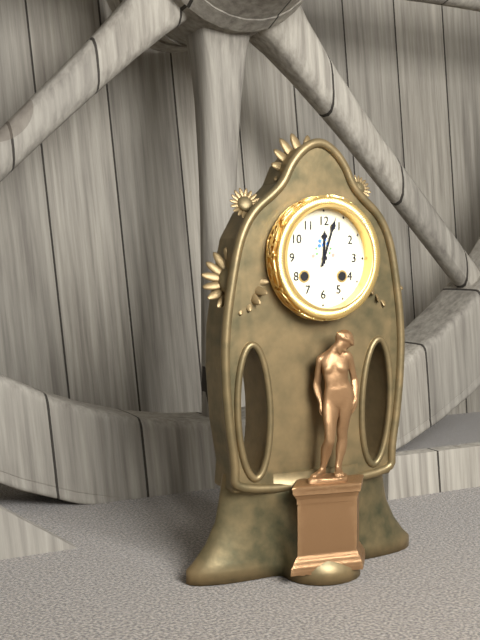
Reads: **12:03**
